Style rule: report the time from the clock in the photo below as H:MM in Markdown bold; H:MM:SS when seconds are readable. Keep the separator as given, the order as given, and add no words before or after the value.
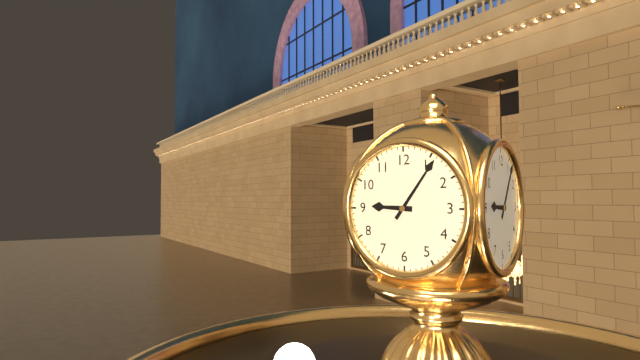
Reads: **9:06**
